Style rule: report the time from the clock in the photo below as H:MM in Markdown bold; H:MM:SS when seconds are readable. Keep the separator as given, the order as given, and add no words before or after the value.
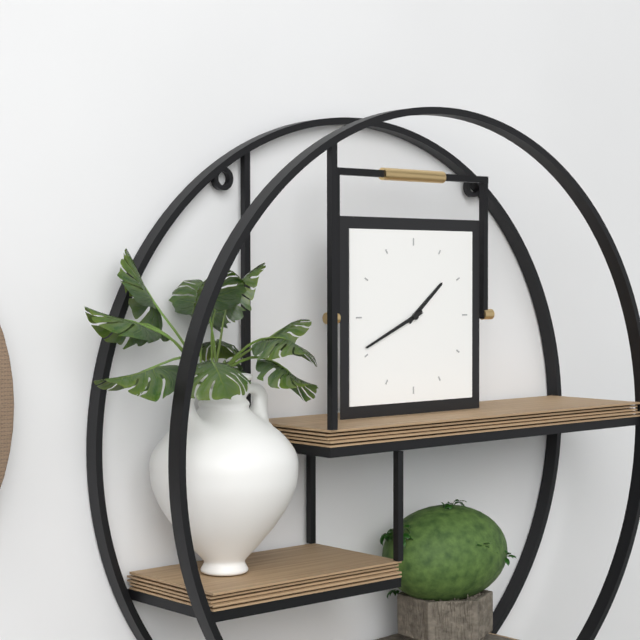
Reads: **1:41**
